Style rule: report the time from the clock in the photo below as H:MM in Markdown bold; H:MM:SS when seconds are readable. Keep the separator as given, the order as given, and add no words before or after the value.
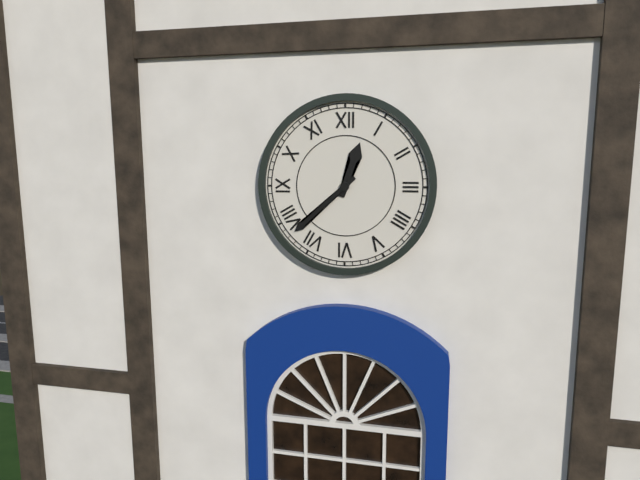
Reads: **12:38**
